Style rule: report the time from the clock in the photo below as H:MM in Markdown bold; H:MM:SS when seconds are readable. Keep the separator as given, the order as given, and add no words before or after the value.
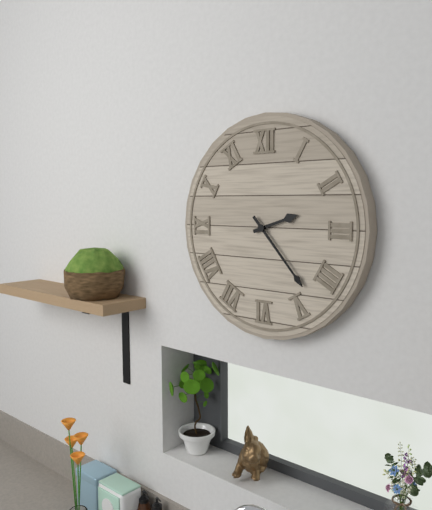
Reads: **2:23**
